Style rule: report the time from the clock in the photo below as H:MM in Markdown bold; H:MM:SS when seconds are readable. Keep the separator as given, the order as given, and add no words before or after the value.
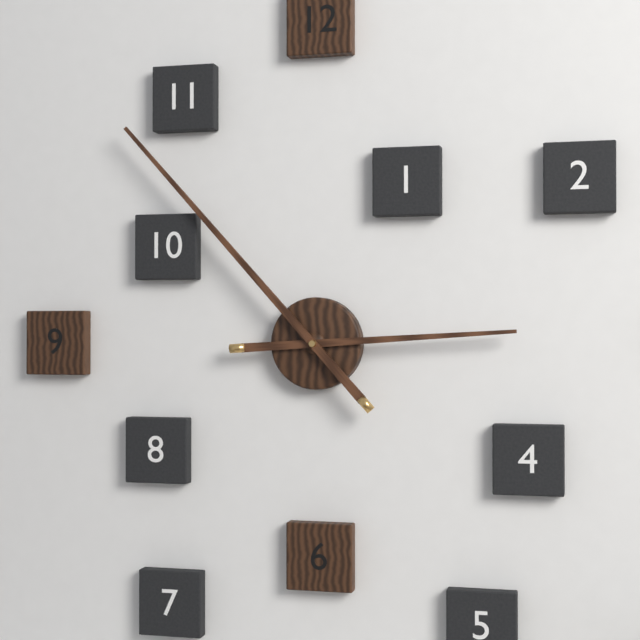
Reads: **2:53**
